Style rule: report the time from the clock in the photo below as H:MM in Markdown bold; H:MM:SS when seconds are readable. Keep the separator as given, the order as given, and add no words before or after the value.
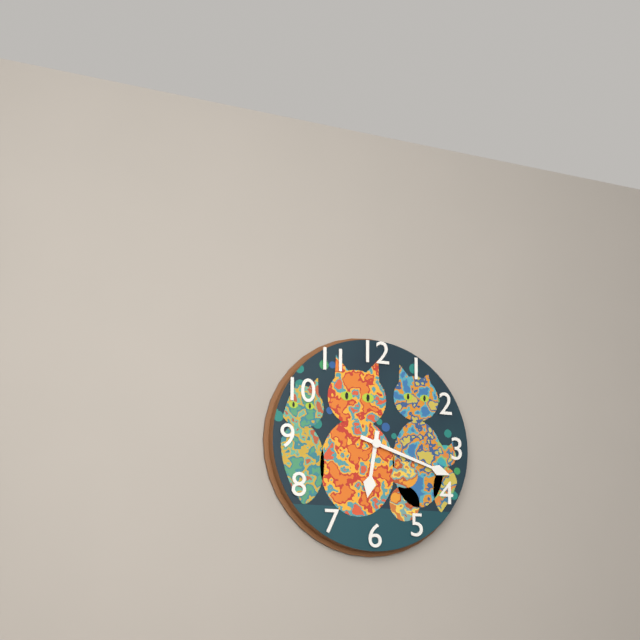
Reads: **6:18**
